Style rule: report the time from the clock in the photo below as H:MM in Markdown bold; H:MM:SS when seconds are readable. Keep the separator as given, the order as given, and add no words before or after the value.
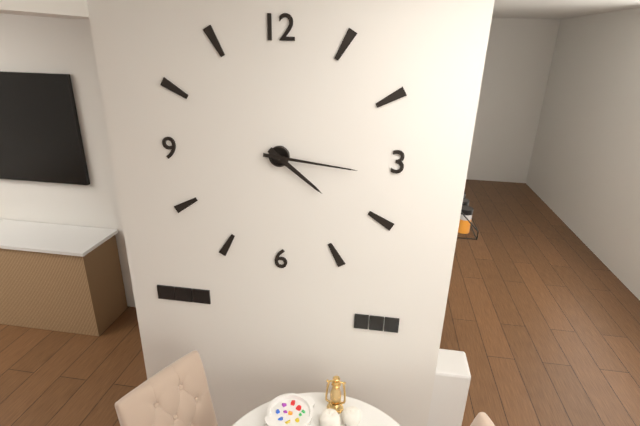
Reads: **4:16**
